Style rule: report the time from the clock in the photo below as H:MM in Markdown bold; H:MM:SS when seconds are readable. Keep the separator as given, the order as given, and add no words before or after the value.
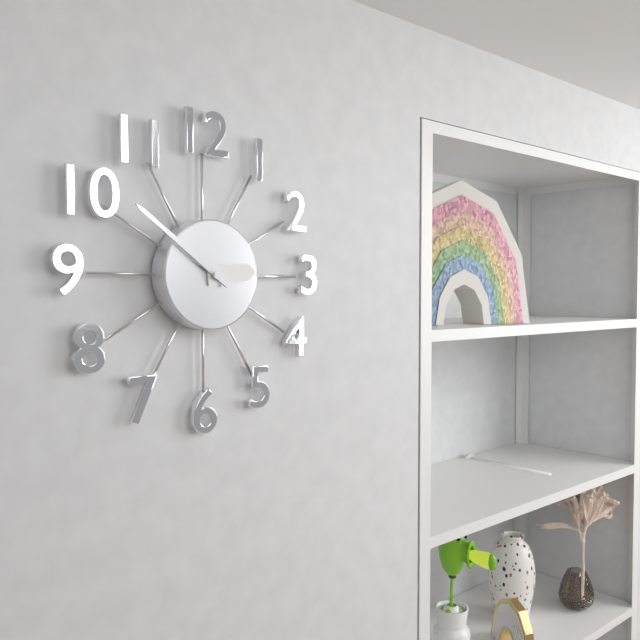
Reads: **2:51**
